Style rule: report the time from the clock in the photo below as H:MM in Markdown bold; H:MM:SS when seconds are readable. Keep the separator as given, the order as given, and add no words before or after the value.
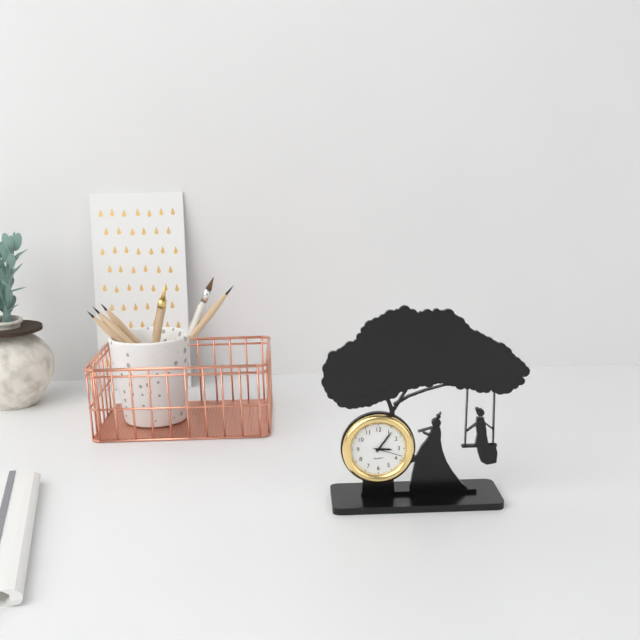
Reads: **3:06**
